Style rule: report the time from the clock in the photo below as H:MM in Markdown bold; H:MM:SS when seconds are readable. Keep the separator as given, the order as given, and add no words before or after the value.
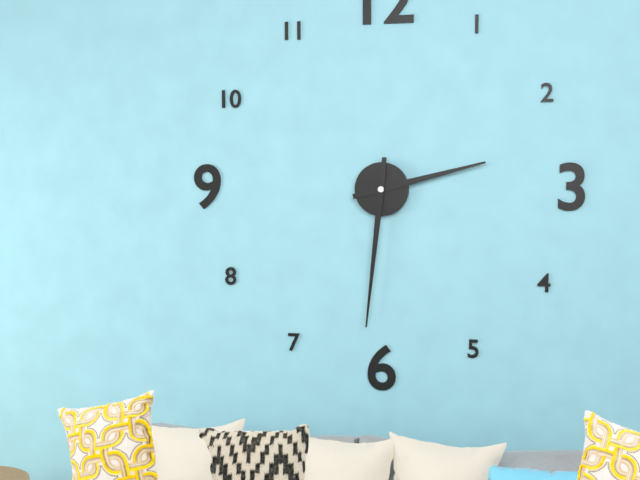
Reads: **2:31**
